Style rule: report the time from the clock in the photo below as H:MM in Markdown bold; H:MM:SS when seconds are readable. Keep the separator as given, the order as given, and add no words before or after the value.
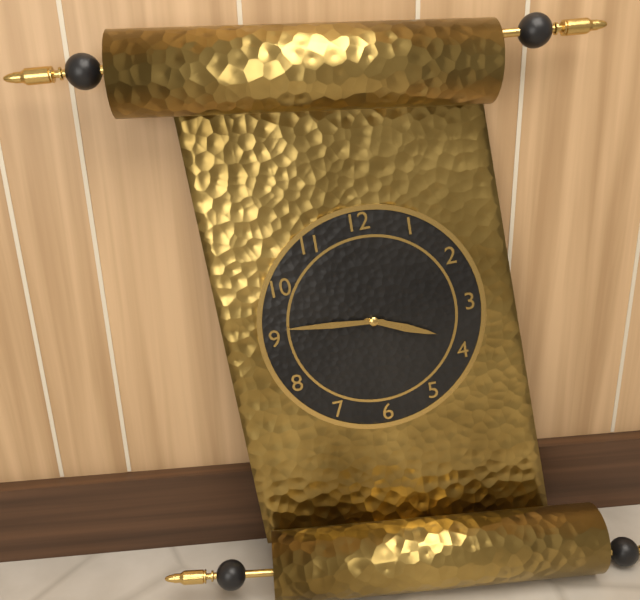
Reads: **3:46**
